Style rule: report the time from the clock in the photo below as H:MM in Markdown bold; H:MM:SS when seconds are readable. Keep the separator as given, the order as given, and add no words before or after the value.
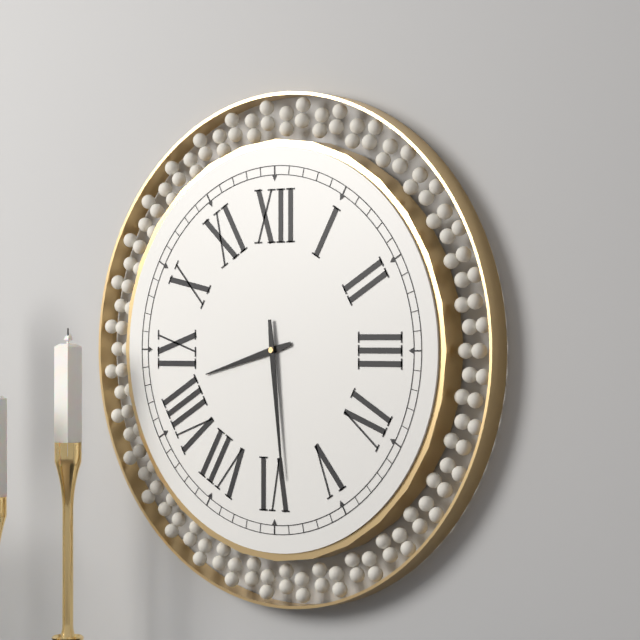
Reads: **8:29**
